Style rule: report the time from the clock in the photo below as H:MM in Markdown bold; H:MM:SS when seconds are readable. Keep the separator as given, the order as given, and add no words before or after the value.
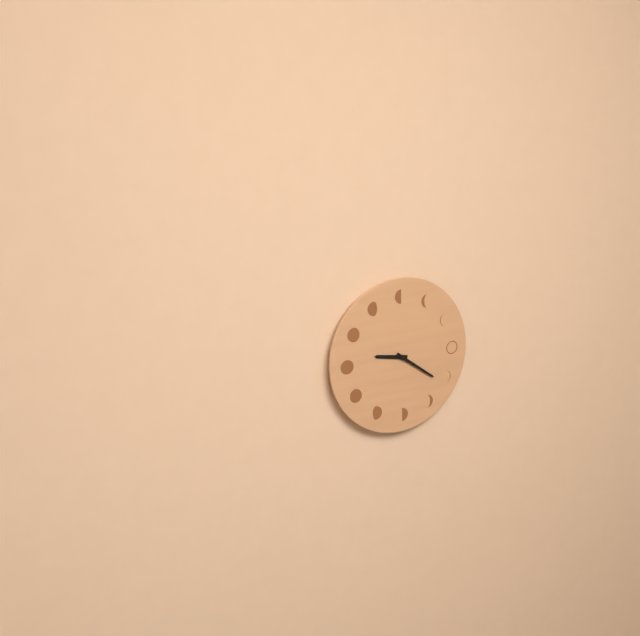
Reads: **9:21**
